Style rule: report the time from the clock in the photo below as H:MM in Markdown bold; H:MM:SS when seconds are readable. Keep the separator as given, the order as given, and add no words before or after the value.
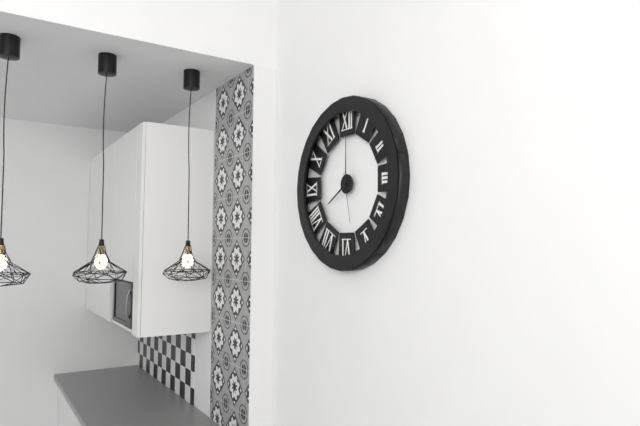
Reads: **8:00**
